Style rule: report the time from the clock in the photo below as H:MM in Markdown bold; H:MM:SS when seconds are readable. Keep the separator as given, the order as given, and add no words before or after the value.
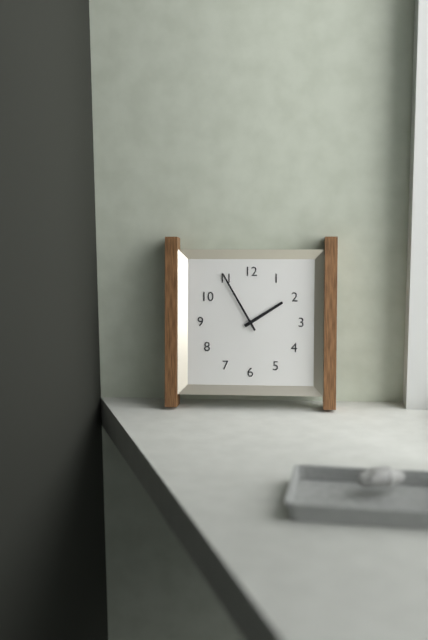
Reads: **1:55**
